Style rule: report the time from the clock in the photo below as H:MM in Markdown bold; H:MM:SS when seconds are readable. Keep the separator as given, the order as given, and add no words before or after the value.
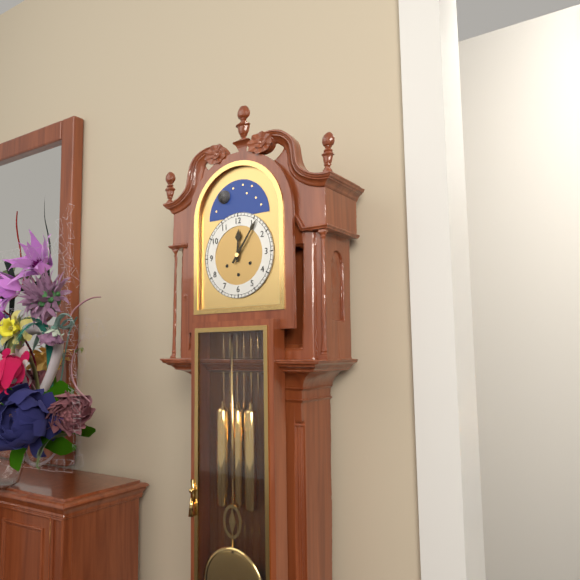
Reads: **12:06**
